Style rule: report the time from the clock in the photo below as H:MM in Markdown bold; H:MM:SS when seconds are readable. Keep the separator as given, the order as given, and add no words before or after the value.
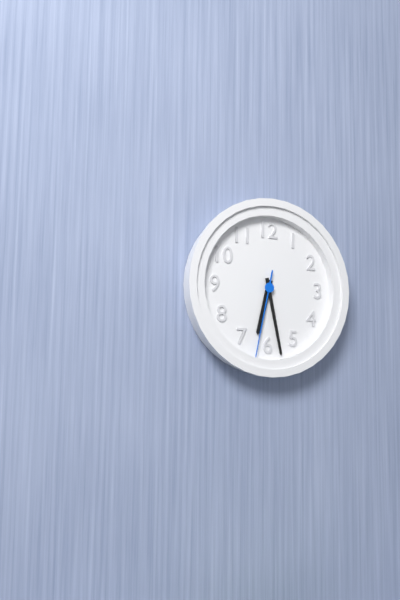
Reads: **6:28:32**
